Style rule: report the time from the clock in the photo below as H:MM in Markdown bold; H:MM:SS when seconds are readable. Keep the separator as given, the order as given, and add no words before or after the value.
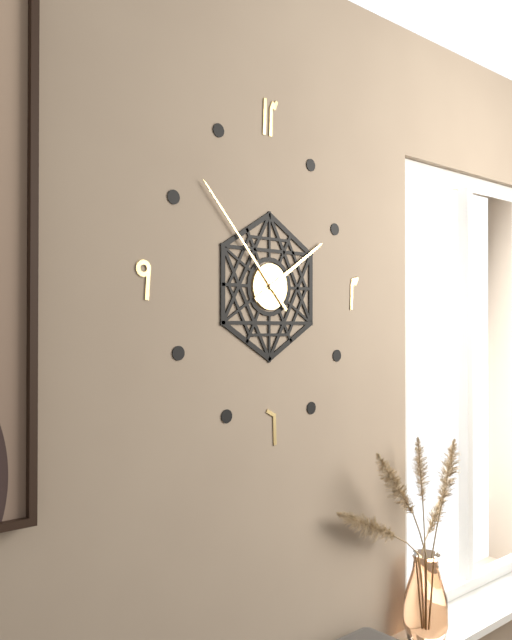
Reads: **1:53**
